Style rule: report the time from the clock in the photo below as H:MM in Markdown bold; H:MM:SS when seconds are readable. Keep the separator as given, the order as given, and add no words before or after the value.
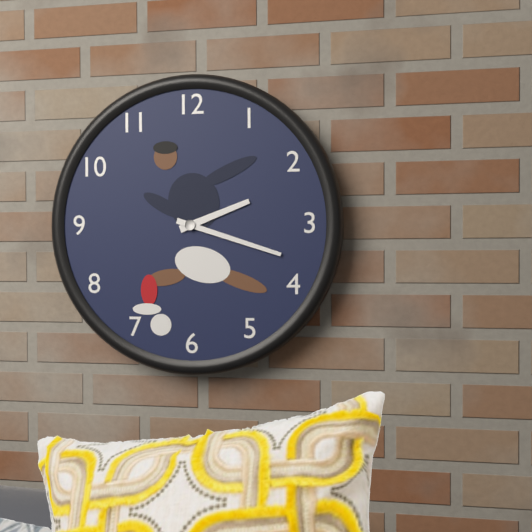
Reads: **2:18**
